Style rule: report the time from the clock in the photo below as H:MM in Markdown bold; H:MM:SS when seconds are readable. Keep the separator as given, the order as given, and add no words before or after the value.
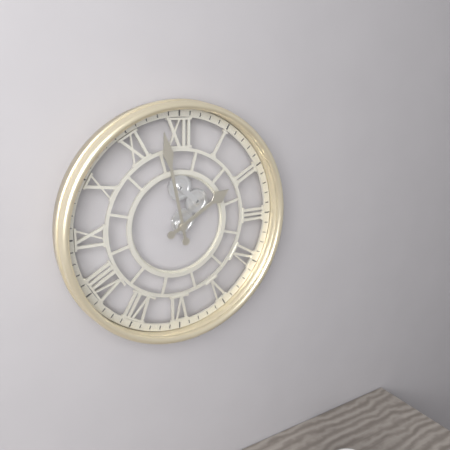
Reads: **1:58**
